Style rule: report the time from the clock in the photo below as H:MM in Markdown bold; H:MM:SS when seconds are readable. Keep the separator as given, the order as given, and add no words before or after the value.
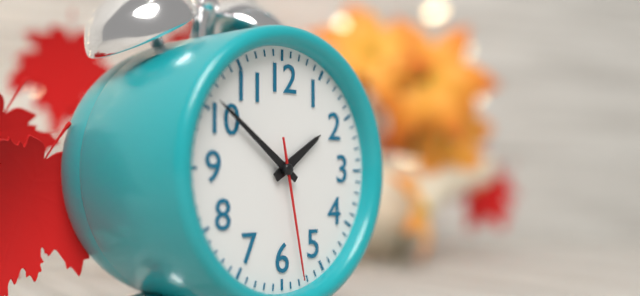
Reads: **1:51:28**
